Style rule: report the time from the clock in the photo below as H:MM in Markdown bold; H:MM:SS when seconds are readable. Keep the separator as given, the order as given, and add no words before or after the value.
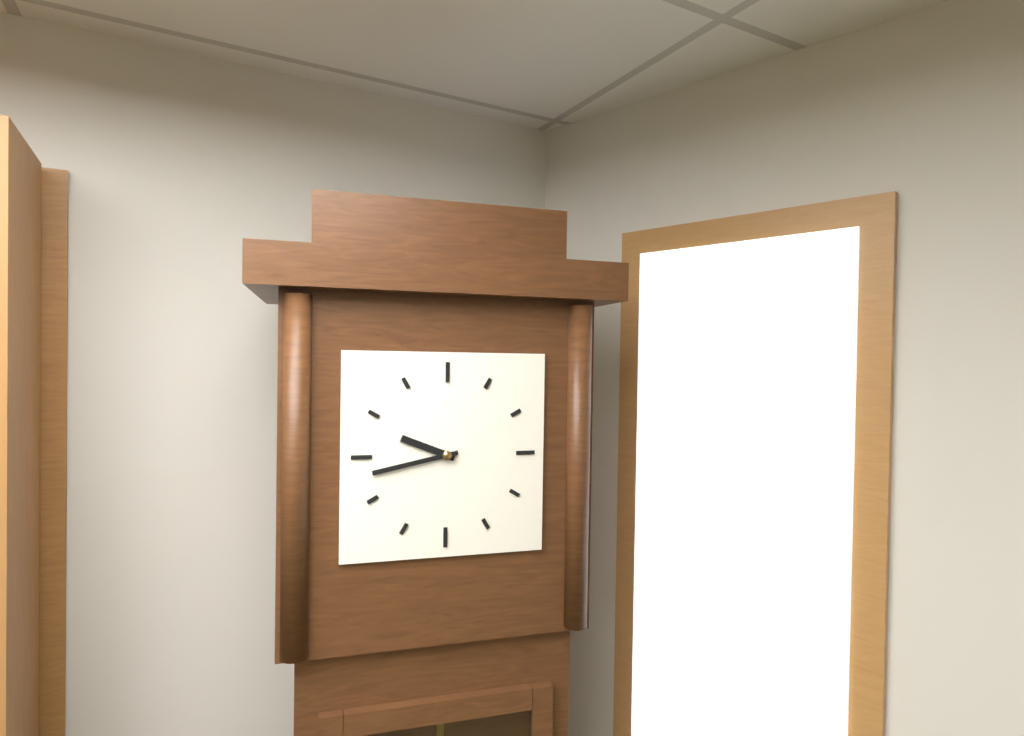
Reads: **9:43**
